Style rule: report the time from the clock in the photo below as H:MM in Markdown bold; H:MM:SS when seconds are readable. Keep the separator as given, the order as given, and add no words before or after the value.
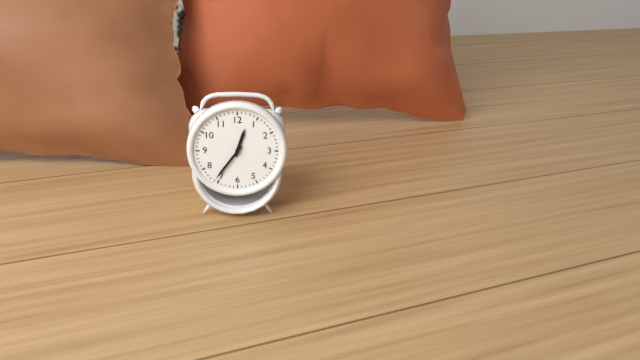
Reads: **12:36**
